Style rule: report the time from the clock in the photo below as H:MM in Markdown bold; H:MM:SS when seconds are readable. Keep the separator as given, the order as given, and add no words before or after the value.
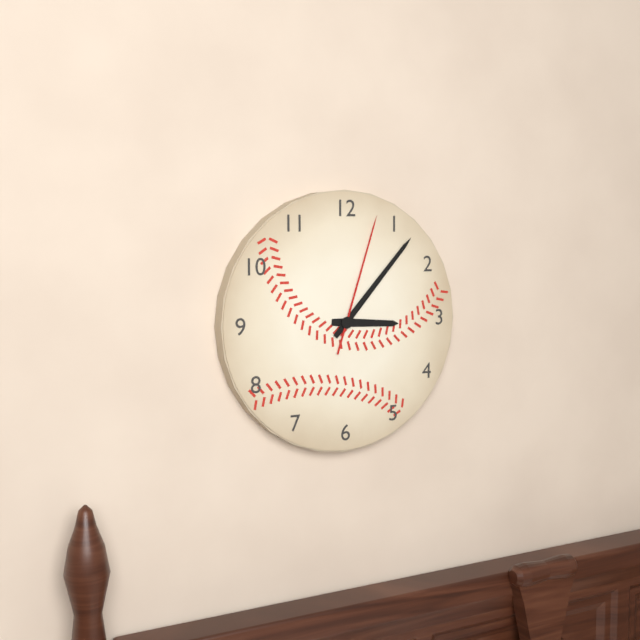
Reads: **3:07:03**
